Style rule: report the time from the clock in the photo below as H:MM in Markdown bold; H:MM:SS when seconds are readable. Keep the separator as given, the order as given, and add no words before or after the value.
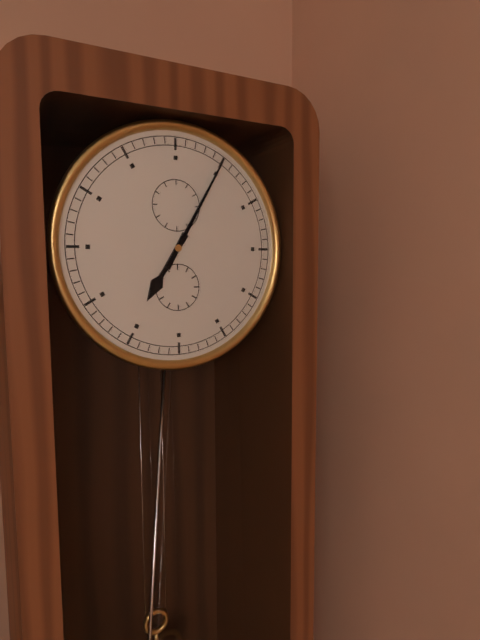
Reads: **7:05**
